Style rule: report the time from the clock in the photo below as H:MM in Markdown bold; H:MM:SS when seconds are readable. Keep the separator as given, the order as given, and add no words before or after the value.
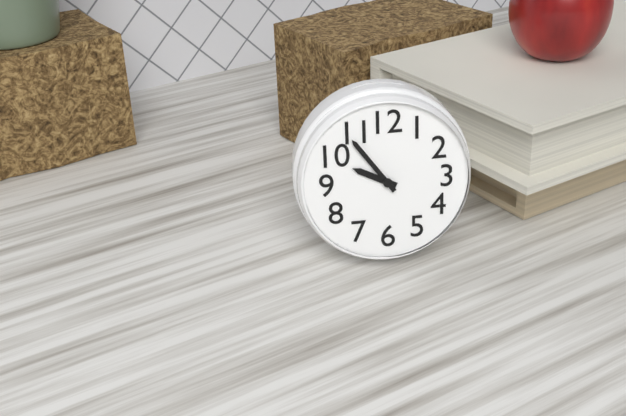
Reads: **9:54**
